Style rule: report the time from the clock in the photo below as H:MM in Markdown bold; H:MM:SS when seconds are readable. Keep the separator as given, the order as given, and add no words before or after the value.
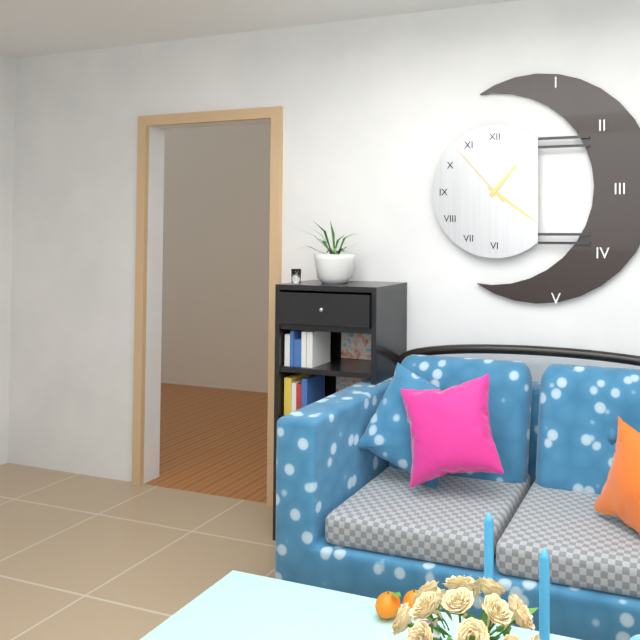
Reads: **1:21:53**
